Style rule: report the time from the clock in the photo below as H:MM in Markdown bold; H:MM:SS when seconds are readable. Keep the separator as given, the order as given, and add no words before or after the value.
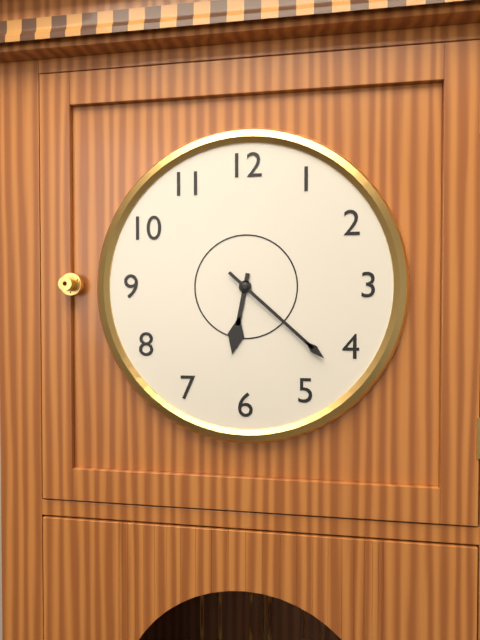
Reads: **6:22**
